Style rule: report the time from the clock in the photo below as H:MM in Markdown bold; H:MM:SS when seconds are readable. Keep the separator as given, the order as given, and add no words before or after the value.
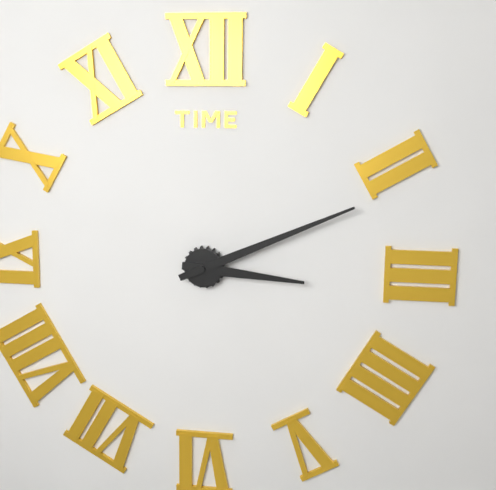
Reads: **3:11**
